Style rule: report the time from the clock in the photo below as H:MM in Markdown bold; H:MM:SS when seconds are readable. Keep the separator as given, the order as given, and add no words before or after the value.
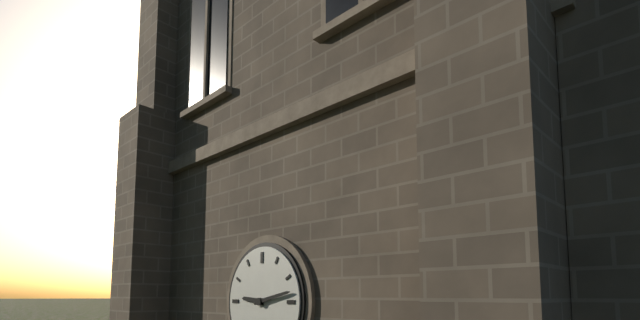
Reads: **9:13**
